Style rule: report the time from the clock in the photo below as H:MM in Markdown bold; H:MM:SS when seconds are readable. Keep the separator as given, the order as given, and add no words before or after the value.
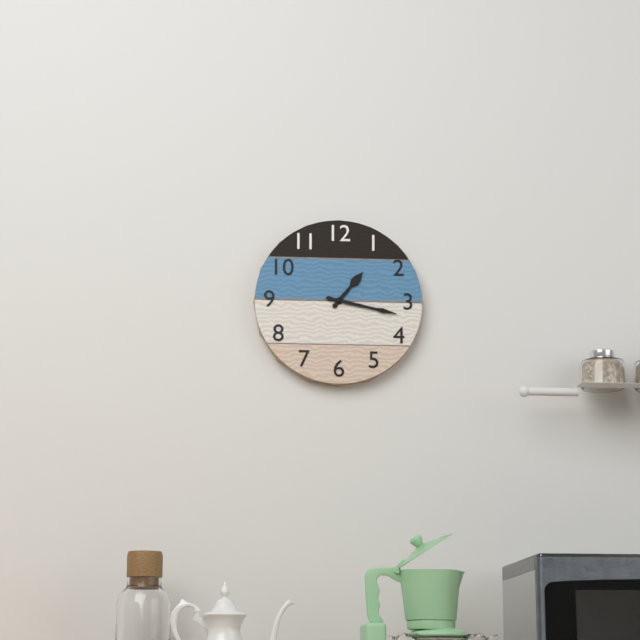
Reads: **1:17**
